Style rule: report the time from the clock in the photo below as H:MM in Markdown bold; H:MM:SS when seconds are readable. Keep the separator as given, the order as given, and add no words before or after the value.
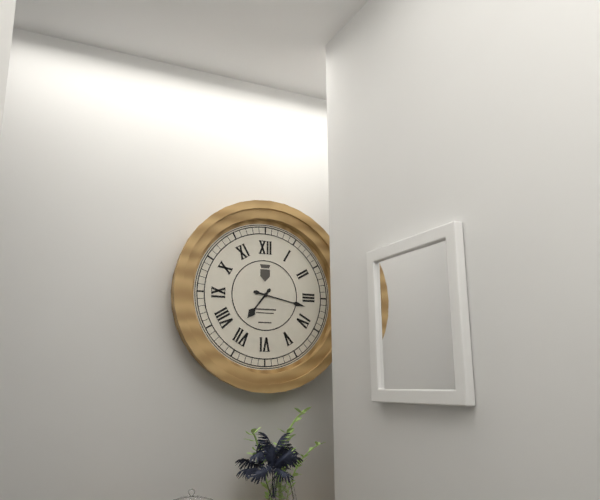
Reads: **7:17**
